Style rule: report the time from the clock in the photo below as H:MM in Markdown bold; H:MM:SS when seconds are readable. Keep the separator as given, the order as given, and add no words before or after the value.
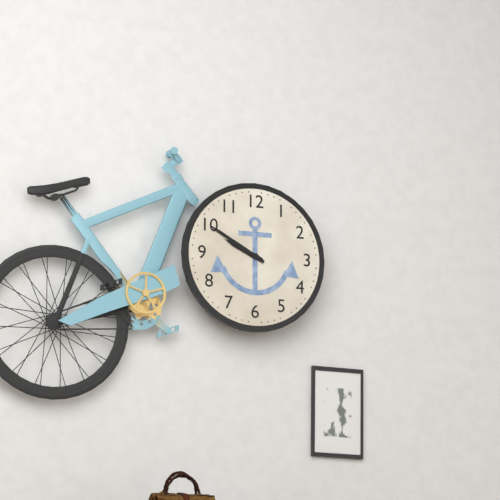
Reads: **9:50**
